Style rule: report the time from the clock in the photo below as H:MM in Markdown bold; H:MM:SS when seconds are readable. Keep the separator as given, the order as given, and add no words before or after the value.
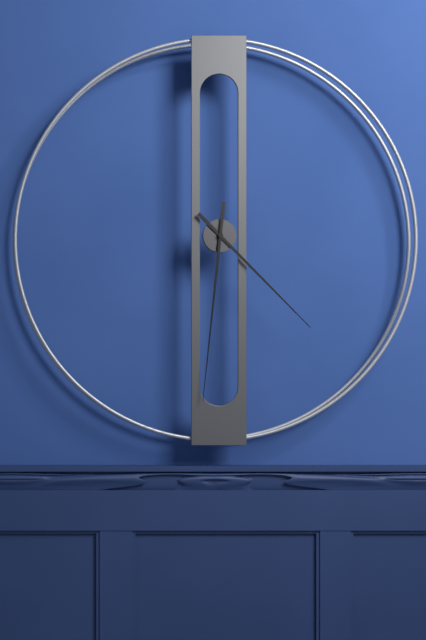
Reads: **4:31**
